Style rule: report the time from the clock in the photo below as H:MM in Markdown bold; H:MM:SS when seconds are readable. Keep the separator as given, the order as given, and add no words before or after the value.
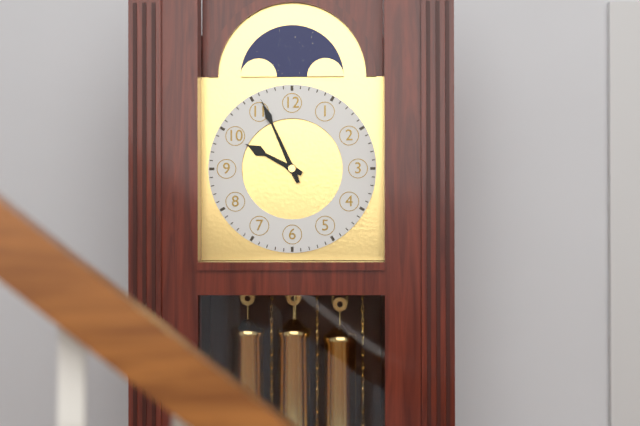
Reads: **9:56**
